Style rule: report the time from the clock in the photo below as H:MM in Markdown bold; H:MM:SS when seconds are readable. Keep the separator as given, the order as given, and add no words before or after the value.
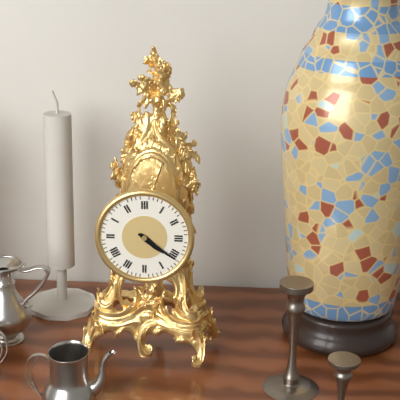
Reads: **4:21**
